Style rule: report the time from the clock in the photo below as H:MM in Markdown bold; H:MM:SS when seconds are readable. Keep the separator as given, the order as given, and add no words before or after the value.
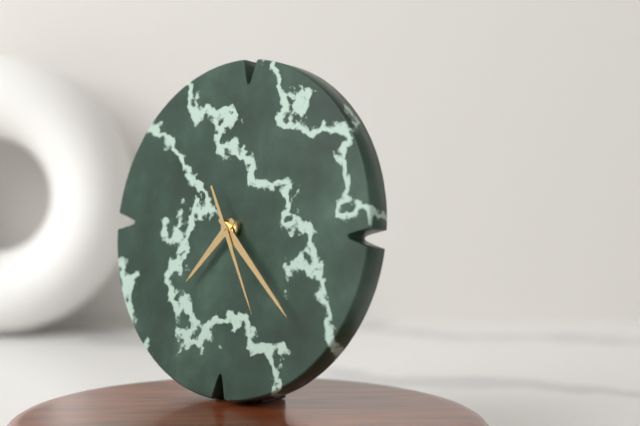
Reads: **7:22:25**
